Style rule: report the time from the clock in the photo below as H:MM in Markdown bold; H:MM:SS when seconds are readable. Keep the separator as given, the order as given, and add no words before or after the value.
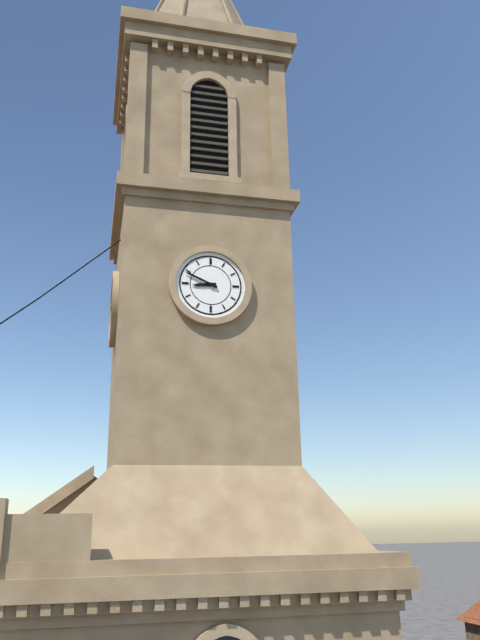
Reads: **8:49**
